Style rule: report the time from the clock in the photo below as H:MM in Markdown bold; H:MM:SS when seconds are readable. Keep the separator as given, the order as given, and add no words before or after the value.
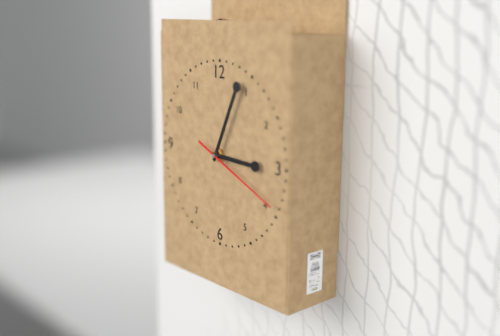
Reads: **3:04:19**
